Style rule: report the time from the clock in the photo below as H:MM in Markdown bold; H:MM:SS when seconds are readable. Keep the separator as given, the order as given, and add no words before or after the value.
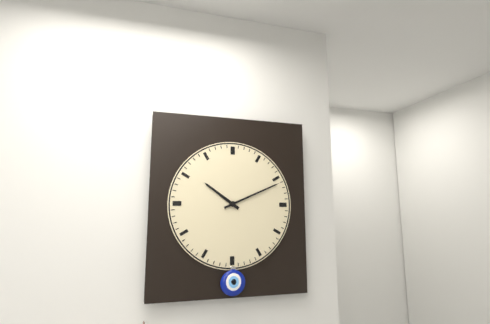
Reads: **10:11**
